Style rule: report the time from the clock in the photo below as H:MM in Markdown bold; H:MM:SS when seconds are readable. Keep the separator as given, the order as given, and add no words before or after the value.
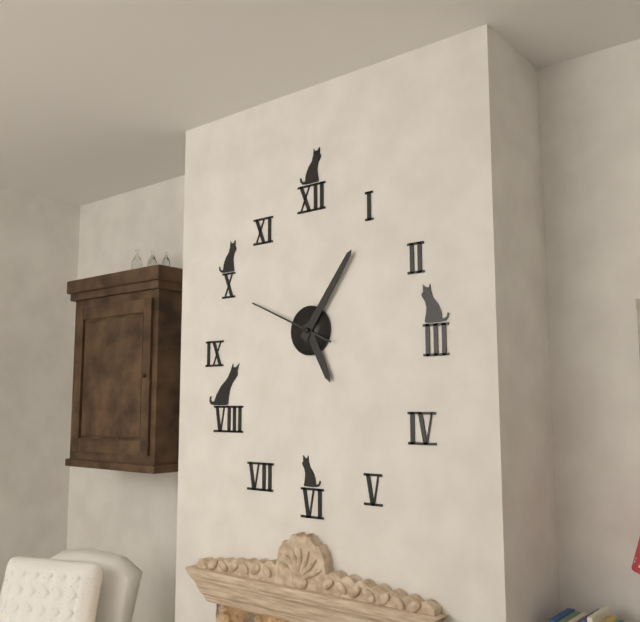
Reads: **5:06:49**
